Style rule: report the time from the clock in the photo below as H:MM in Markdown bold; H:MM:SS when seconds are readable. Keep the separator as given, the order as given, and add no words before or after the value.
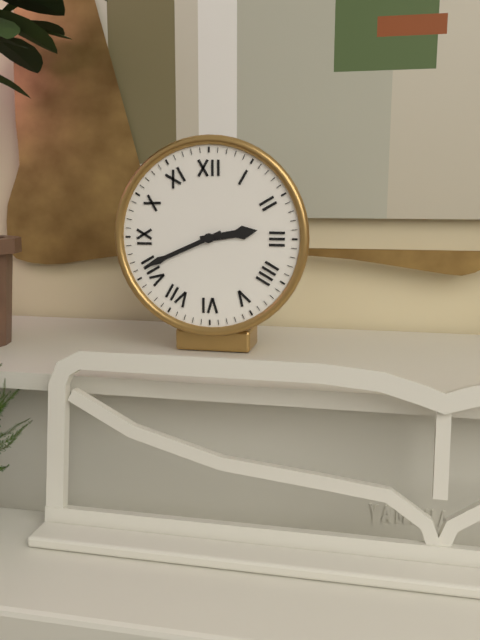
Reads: **2:41**
